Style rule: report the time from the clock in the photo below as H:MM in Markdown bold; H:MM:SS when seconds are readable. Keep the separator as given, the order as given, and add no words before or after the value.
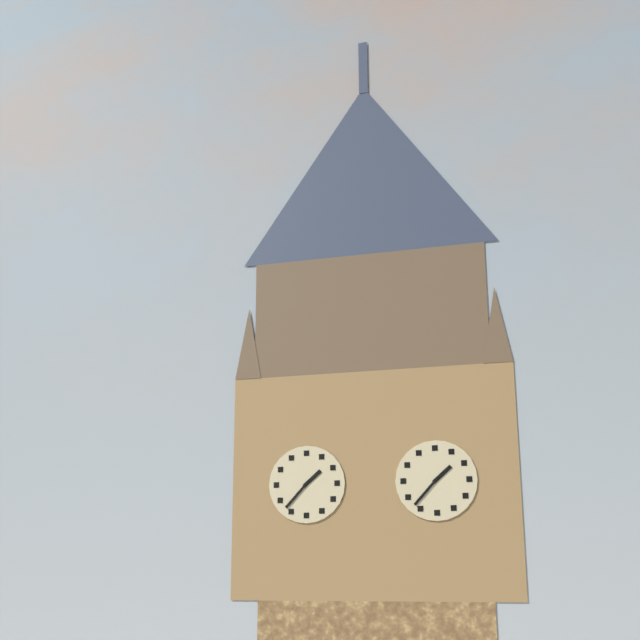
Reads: **1:37**
